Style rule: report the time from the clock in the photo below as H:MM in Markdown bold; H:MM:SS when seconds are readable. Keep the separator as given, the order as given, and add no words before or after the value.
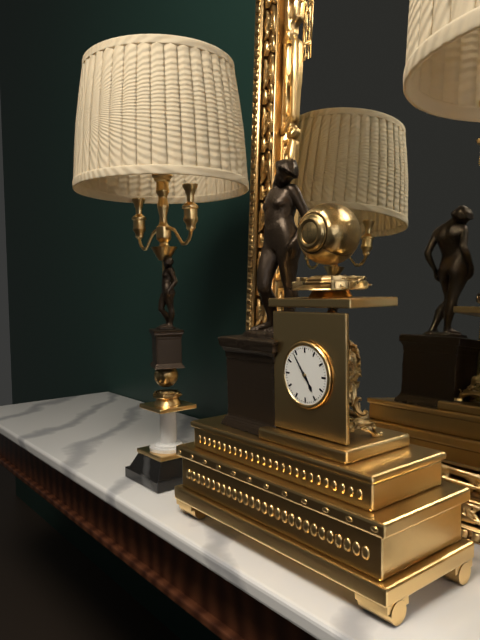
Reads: **4:54**
